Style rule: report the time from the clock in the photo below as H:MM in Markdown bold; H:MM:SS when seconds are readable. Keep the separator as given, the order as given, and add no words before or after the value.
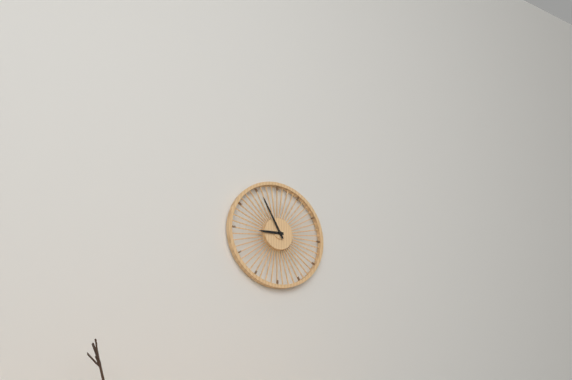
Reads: **8:55**
